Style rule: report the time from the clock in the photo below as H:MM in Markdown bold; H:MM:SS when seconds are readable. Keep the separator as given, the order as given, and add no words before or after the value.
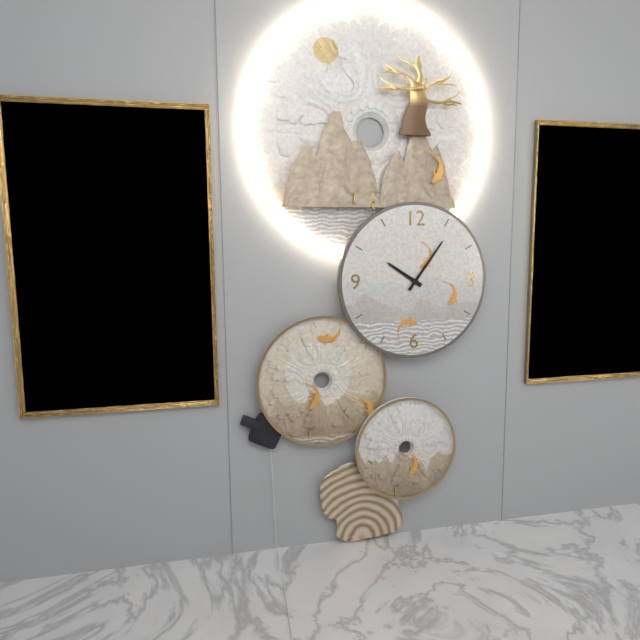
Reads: **10:06**
